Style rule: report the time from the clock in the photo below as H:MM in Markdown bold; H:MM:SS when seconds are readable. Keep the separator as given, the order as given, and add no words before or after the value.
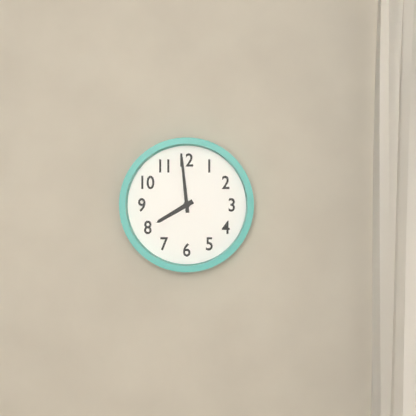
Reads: **7:59**
